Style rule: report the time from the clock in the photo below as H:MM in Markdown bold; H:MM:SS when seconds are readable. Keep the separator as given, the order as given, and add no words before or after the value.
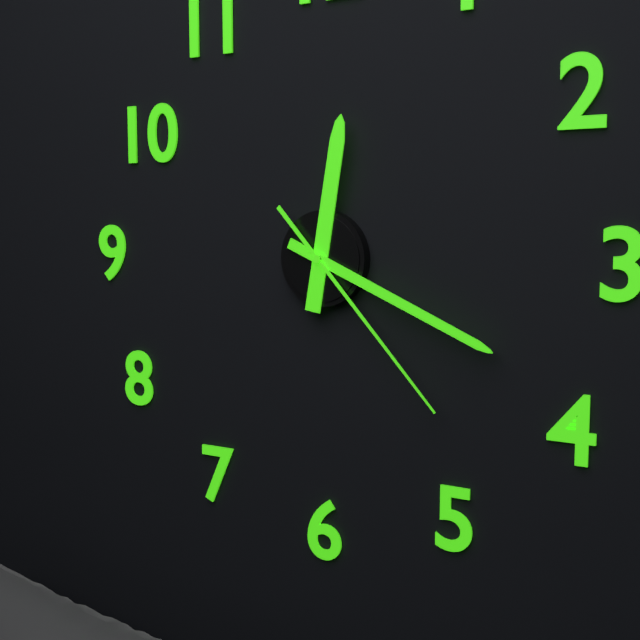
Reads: **12:19:23**
